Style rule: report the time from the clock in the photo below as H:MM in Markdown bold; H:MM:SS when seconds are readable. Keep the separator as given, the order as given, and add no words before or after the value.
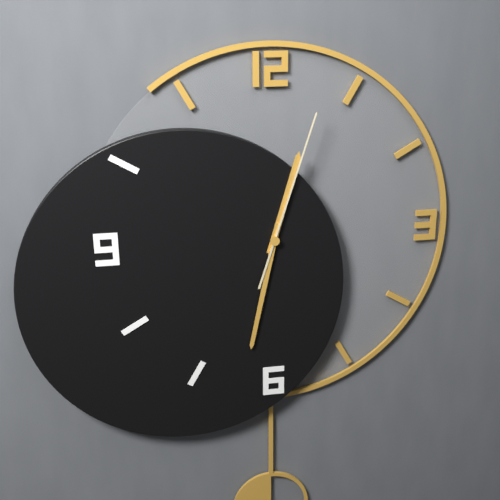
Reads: **12:32:03**
